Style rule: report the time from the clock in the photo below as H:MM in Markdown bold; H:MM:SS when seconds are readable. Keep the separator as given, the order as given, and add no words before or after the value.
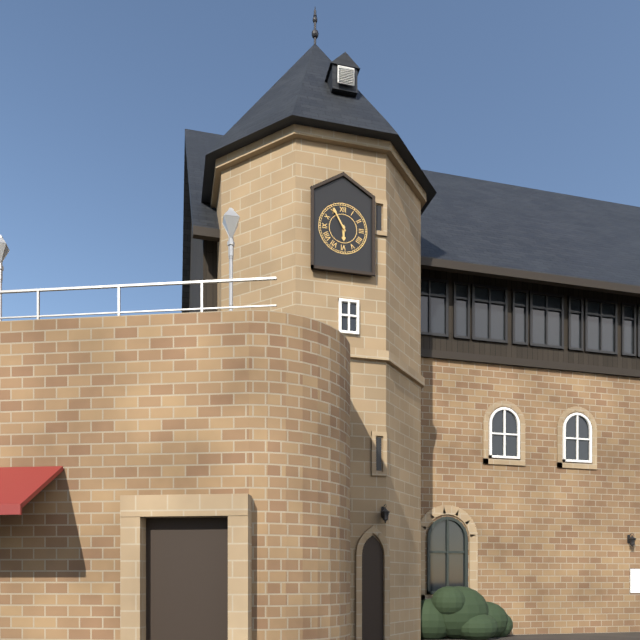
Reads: **5:55**
